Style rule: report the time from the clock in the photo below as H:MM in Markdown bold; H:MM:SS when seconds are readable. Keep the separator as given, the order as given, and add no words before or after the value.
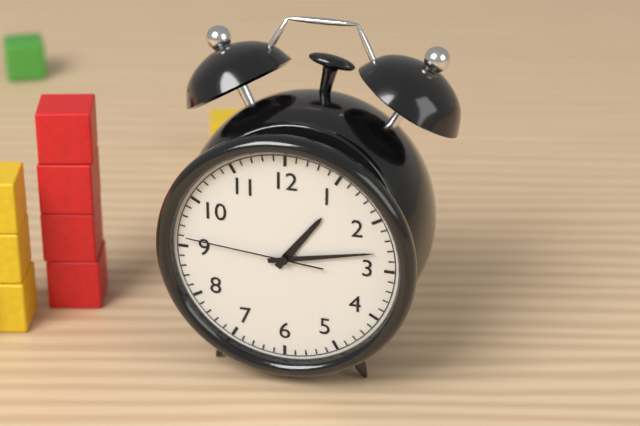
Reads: **1:13:46**
